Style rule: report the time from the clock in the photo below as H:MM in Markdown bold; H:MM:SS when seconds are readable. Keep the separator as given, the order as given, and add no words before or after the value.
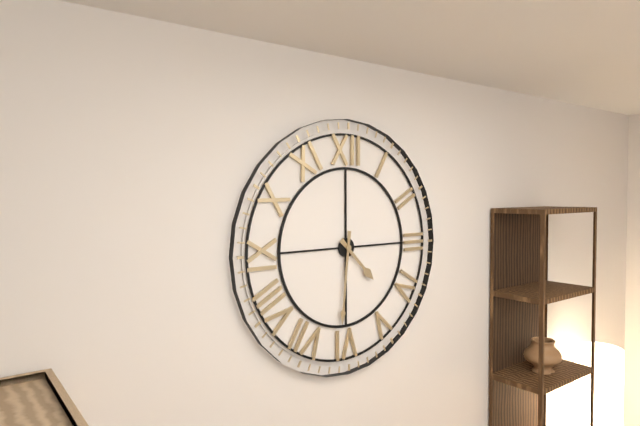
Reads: **4:31**
